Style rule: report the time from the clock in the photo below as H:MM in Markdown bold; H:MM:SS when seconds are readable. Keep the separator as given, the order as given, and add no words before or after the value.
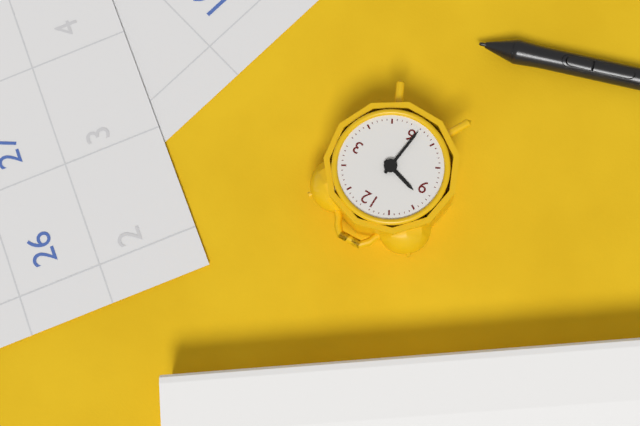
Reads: **9:31**
